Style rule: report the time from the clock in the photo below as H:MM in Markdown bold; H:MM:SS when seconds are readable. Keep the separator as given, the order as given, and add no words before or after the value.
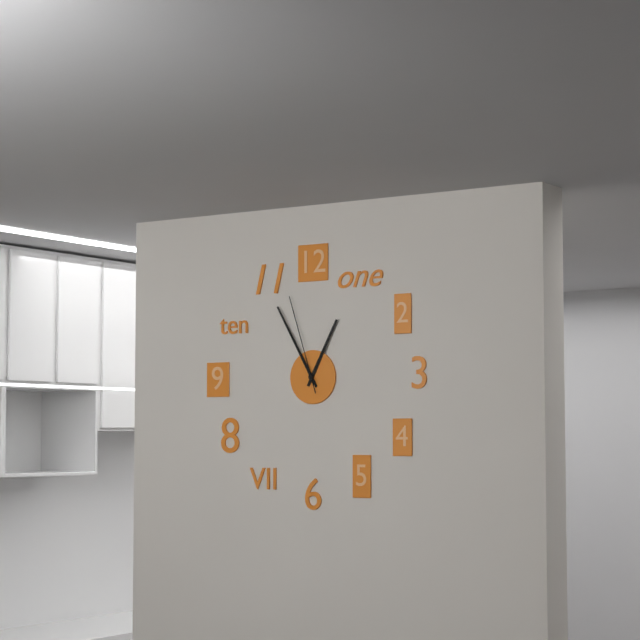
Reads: **12:55:57**
